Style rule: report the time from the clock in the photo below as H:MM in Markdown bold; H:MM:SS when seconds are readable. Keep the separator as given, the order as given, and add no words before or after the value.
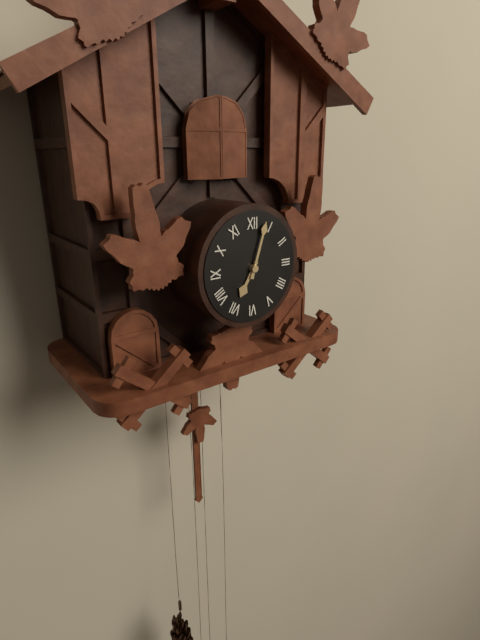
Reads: **7:03**
